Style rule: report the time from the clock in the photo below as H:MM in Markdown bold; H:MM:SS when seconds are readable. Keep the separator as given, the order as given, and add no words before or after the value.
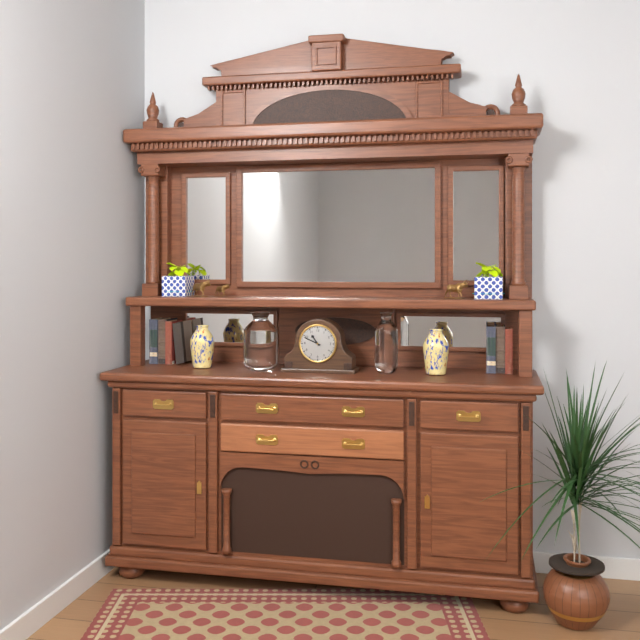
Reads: **10:49**
